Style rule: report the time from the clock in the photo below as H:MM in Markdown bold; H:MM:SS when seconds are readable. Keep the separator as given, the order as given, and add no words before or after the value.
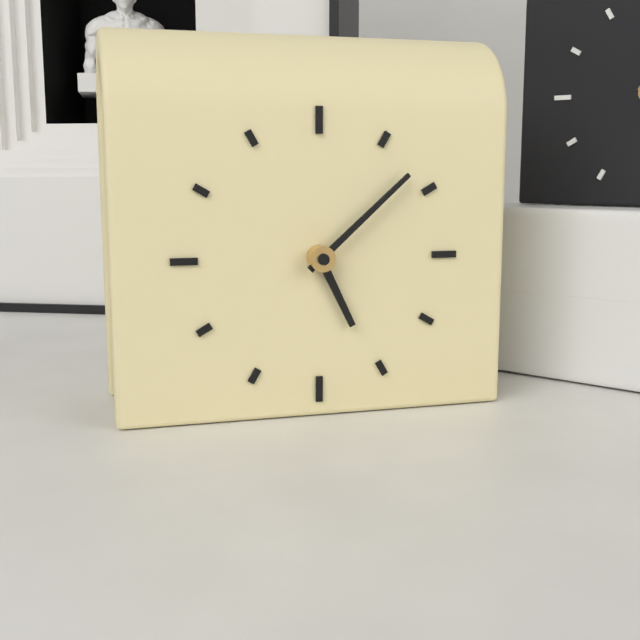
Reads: **5:08**
